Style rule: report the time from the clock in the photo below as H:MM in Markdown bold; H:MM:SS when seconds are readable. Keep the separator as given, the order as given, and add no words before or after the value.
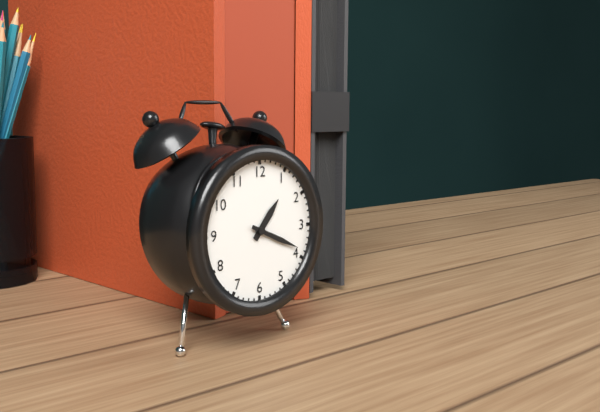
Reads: **1:19**
